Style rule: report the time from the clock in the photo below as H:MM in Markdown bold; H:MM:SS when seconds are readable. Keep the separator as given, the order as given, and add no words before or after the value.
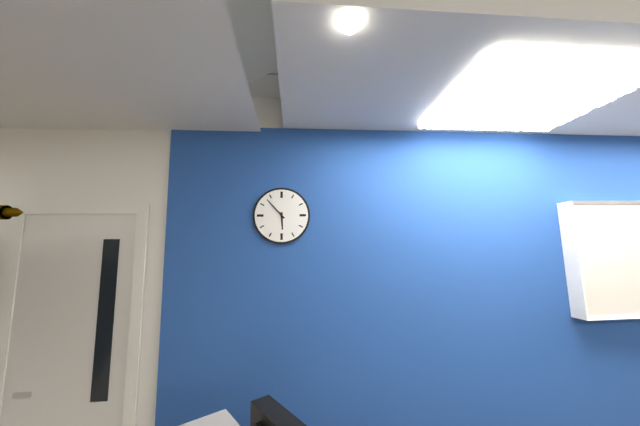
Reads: **5:53**
